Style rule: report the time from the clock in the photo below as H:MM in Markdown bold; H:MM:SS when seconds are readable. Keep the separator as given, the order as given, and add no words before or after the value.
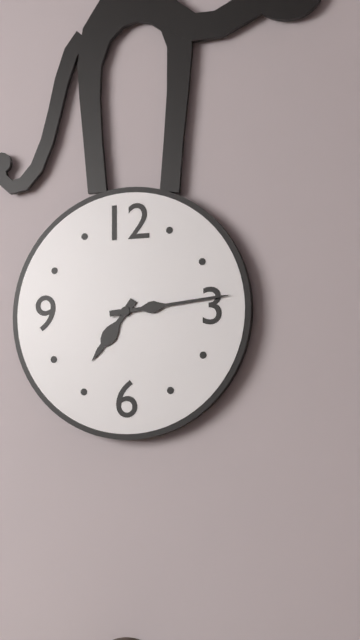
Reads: **7:14**
